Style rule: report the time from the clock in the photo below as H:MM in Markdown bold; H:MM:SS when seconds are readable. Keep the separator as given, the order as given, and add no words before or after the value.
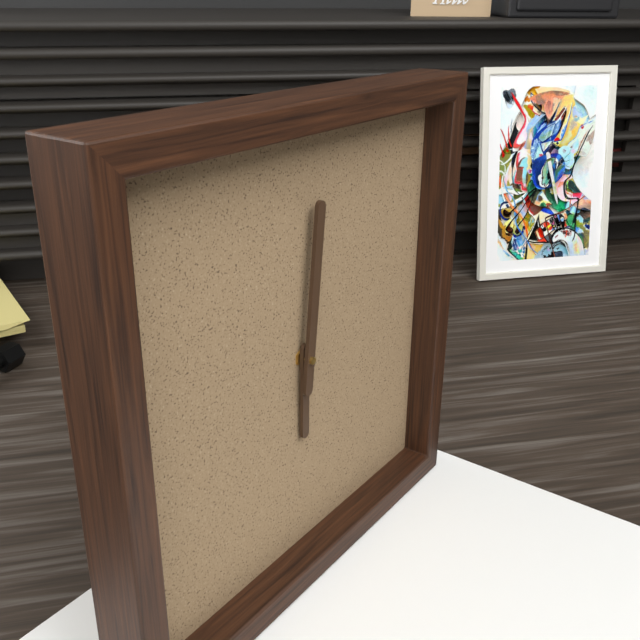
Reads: **6:01**
